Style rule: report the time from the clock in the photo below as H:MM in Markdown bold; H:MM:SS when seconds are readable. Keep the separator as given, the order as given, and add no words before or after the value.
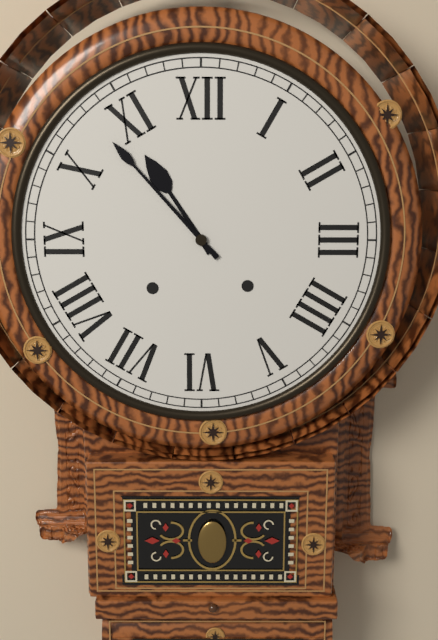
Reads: **10:53**
